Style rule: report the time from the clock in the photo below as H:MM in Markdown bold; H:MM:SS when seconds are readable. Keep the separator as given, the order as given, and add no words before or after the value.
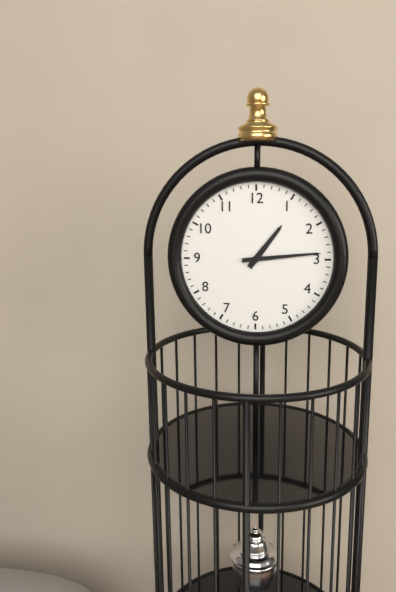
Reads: **1:14**
